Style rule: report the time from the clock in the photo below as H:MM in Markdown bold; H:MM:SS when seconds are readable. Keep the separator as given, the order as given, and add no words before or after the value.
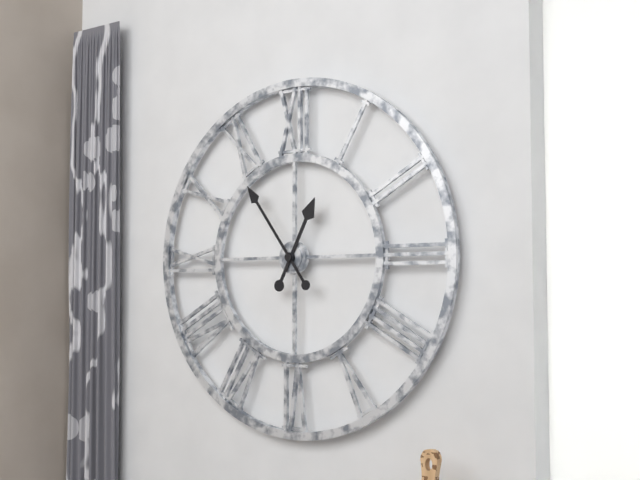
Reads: **12:54**
